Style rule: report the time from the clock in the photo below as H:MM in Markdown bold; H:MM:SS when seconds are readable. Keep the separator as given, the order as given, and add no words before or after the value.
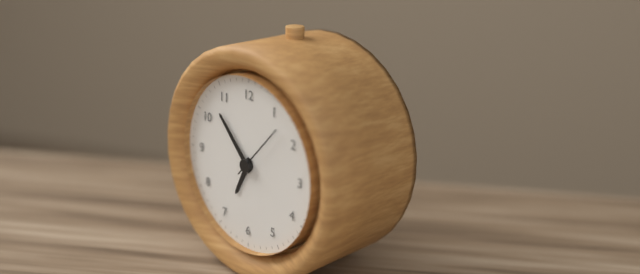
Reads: **6:53:07**
